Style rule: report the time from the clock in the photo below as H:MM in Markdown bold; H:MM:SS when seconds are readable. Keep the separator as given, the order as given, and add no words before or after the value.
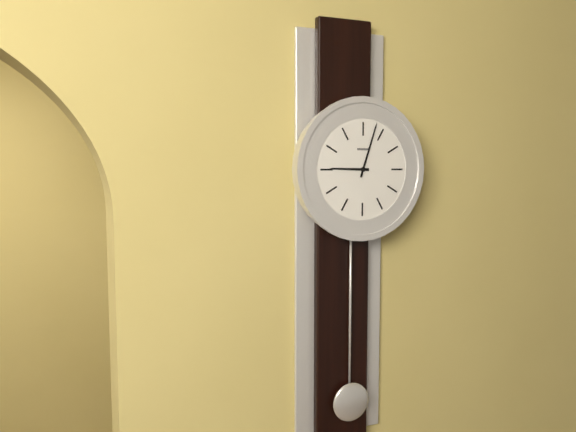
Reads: **9:03**
